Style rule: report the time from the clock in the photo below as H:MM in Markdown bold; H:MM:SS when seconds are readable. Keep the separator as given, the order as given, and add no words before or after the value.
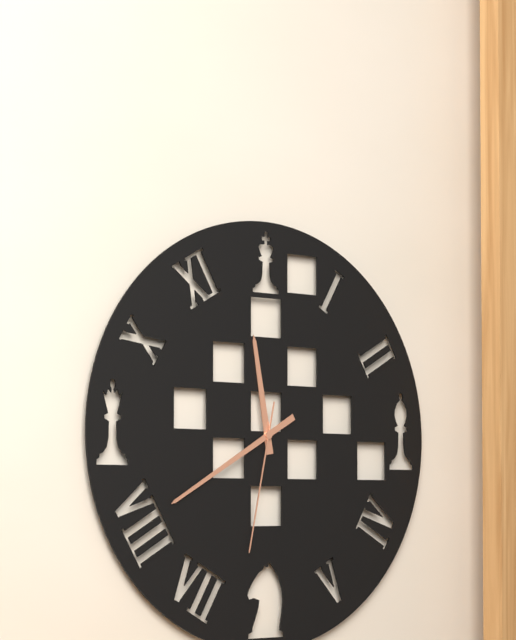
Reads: **11:40:32**
